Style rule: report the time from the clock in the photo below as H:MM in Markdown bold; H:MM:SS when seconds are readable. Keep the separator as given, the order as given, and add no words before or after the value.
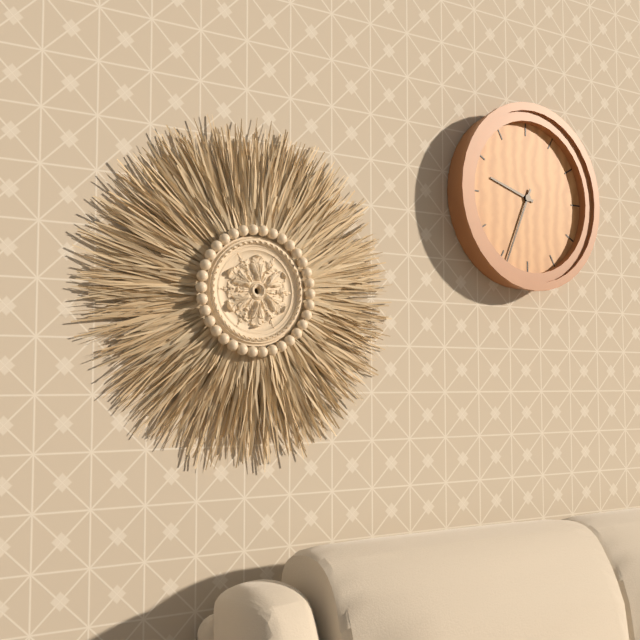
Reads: **9:34**
